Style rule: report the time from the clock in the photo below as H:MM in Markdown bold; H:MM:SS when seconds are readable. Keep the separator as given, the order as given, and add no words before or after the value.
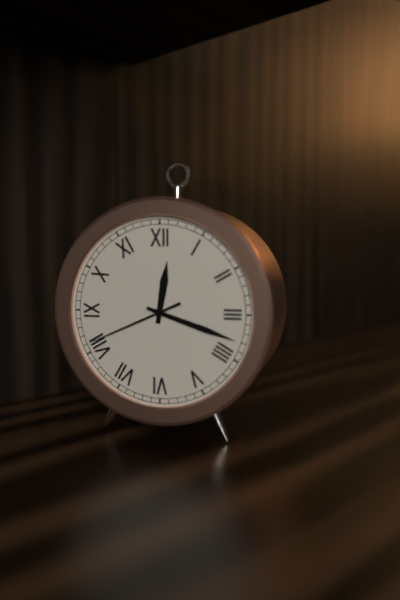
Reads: **12:18:41**
